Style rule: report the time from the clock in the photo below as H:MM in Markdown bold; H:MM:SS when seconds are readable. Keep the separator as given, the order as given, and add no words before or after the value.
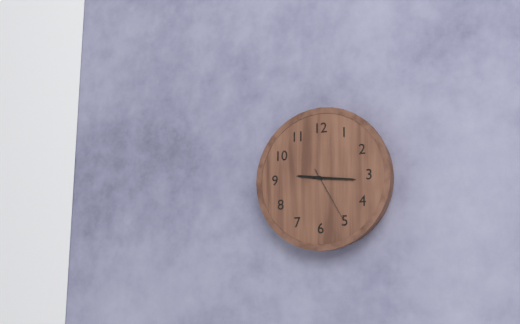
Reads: **9:16:25**
